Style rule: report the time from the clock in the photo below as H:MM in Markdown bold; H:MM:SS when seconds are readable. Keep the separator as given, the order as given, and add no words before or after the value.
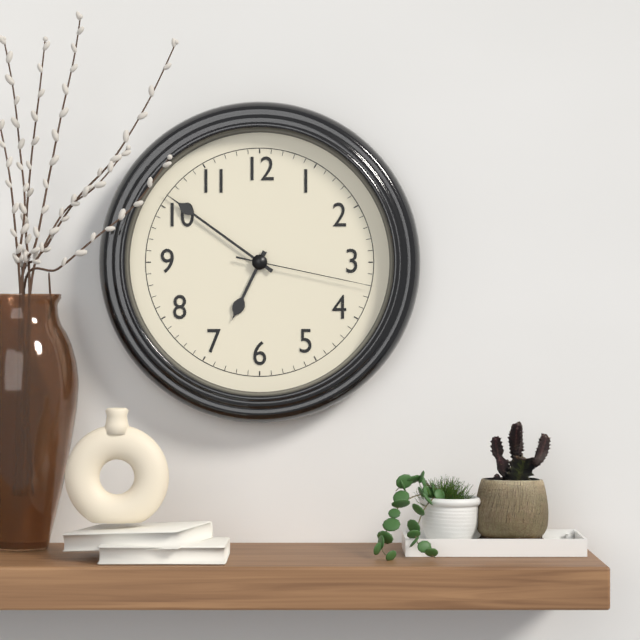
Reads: **6:51:17**
